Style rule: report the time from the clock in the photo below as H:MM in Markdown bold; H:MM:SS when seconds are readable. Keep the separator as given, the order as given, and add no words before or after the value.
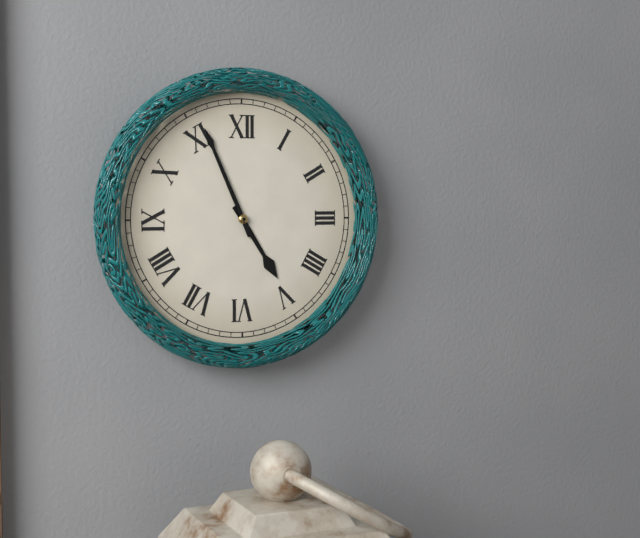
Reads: **4:56**
